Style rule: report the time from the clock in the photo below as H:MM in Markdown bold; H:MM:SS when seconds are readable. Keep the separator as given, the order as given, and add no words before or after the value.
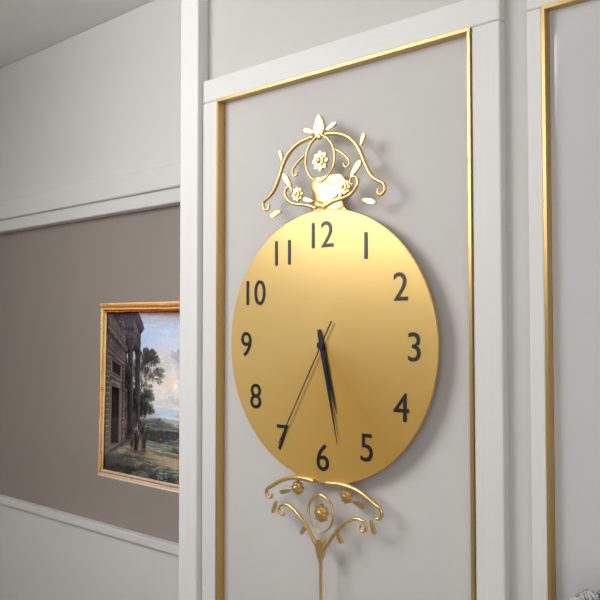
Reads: **5:28:35**
